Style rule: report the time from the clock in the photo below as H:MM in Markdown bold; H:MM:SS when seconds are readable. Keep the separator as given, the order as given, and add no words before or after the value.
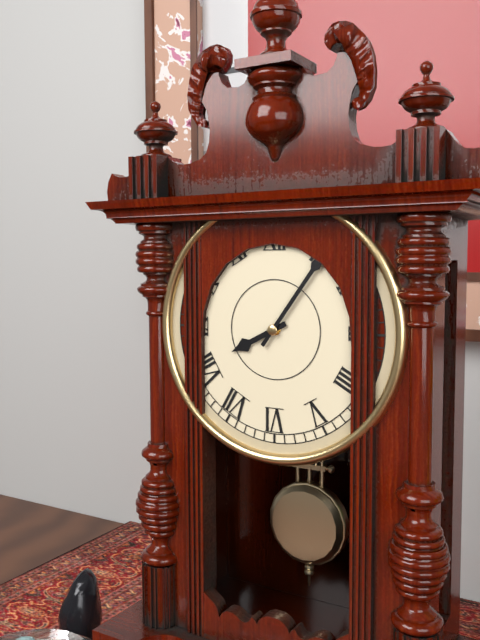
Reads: **8:06**
